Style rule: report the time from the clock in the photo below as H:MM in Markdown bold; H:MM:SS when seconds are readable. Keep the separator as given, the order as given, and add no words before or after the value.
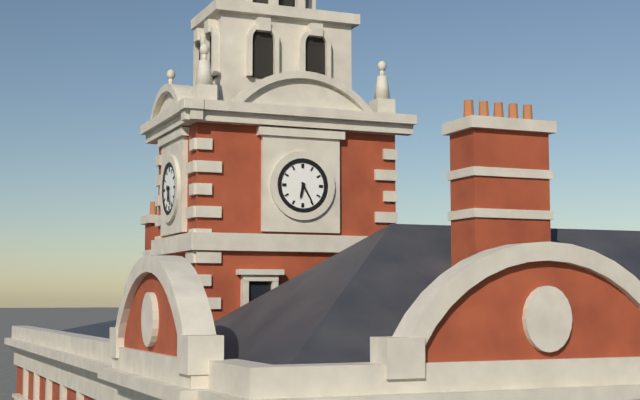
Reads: **6:25**
